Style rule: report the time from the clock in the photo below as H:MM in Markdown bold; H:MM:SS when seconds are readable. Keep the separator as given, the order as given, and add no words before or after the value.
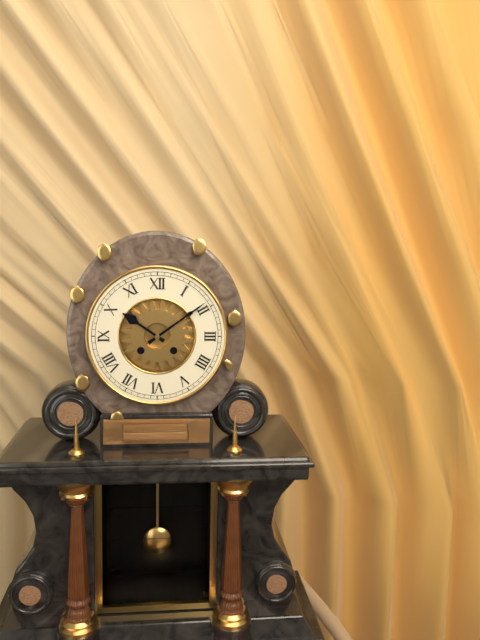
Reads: **10:09**
